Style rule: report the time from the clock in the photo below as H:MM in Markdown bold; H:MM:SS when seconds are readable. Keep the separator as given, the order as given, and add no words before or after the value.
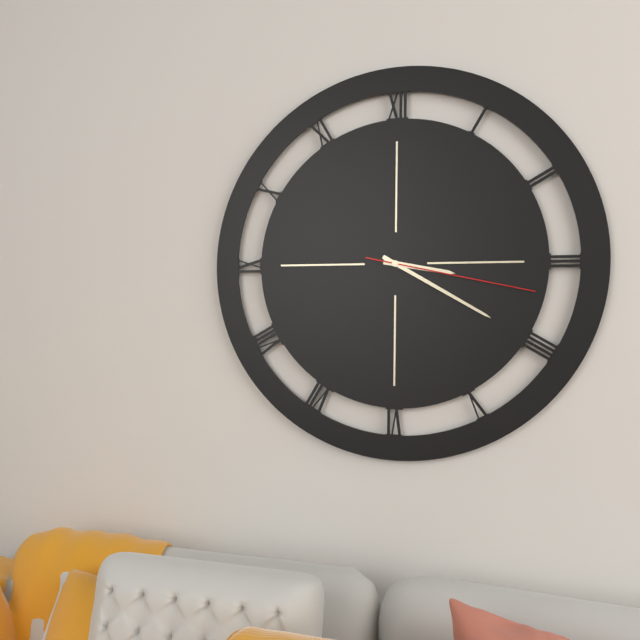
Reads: **3:20:17**
